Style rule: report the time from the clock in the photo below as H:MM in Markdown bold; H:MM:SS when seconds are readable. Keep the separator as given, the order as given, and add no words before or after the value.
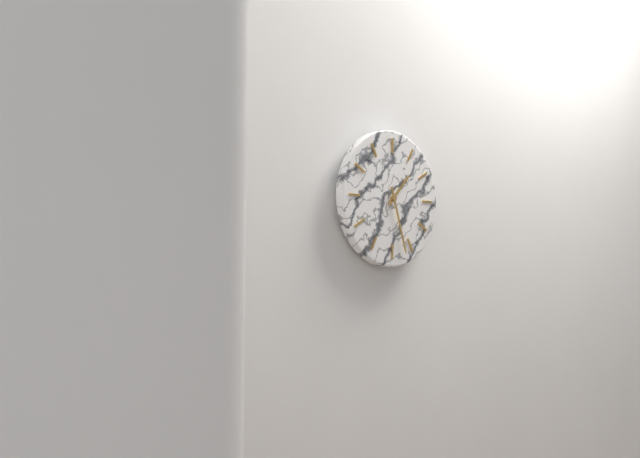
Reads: **1:27**
